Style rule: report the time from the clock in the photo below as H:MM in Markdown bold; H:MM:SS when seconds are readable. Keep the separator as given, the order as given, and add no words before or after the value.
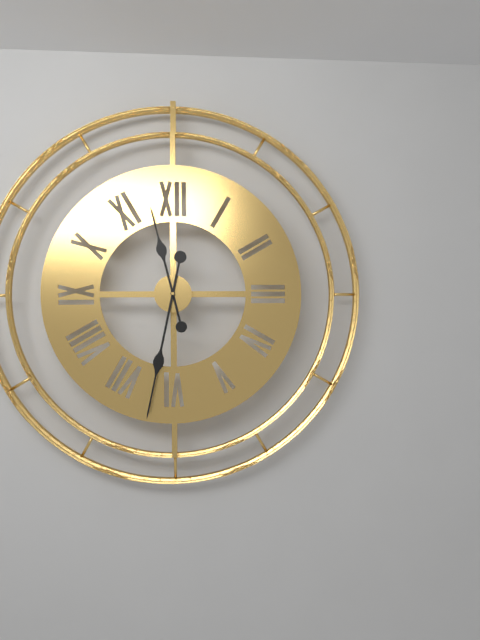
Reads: **11:32**
